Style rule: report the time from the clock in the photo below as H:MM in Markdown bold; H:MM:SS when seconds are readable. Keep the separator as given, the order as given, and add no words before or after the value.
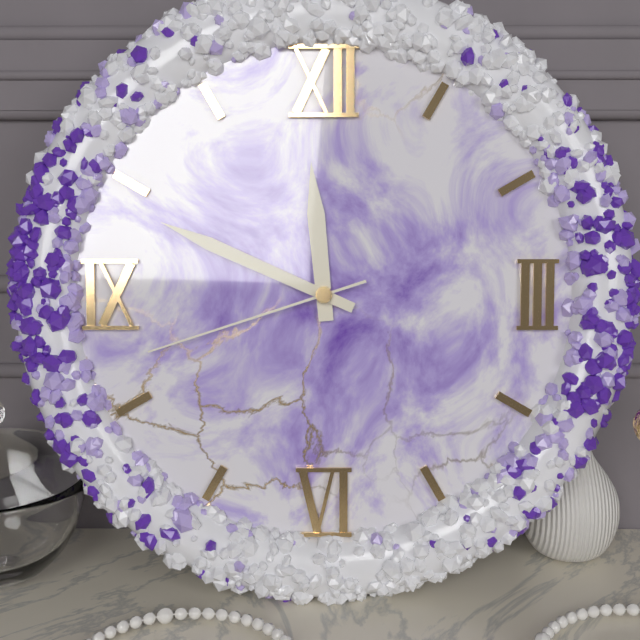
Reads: **11:49:42**
